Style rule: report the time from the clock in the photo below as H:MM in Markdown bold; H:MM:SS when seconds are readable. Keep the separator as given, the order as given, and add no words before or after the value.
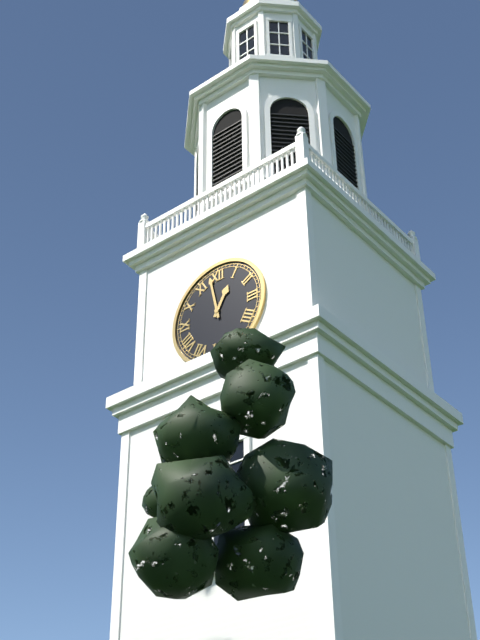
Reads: **12:58**
